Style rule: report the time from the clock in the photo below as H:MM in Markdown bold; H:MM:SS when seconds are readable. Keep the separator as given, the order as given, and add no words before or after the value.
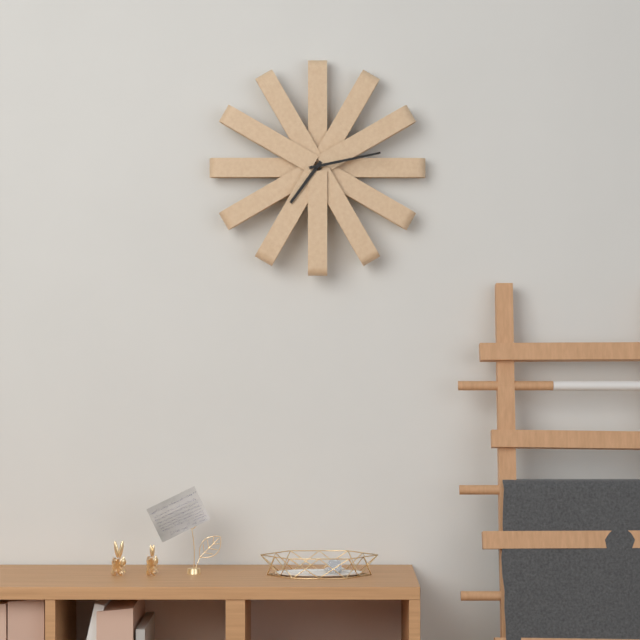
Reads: **7:13**
